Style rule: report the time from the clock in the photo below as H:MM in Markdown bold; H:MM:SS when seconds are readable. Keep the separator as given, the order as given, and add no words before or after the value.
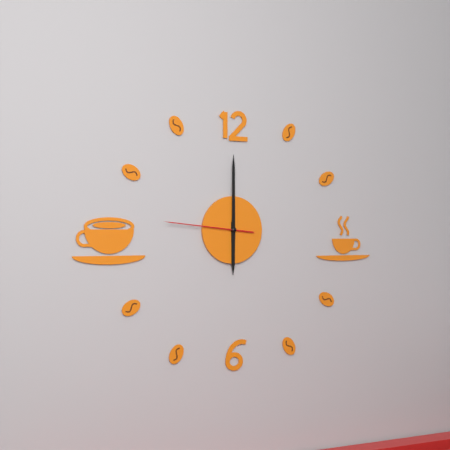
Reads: **6:00:46**
